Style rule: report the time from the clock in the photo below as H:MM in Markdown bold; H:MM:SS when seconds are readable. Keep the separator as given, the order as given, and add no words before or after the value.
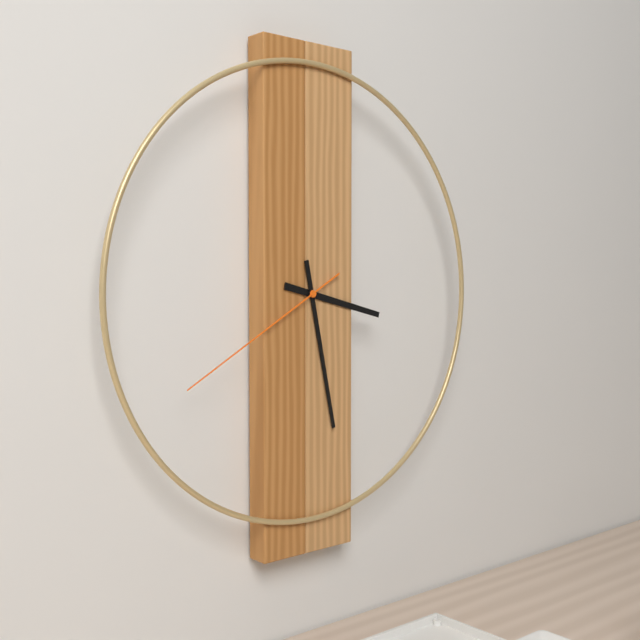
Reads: **3:28:40**
